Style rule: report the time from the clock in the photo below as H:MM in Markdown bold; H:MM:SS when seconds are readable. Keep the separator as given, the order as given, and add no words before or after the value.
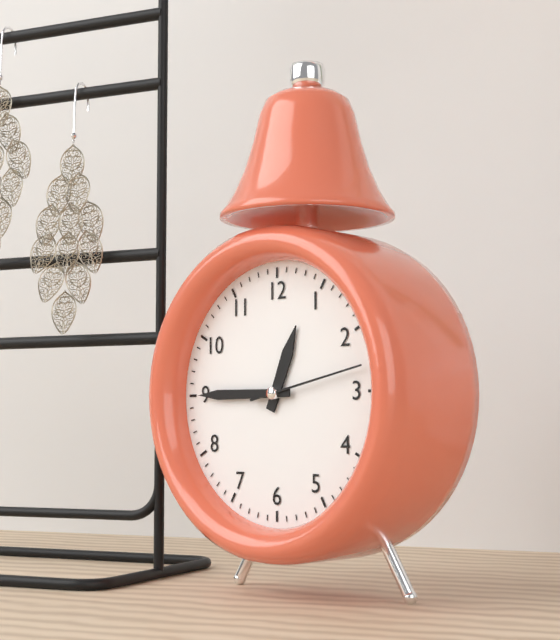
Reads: **12:45:13**
